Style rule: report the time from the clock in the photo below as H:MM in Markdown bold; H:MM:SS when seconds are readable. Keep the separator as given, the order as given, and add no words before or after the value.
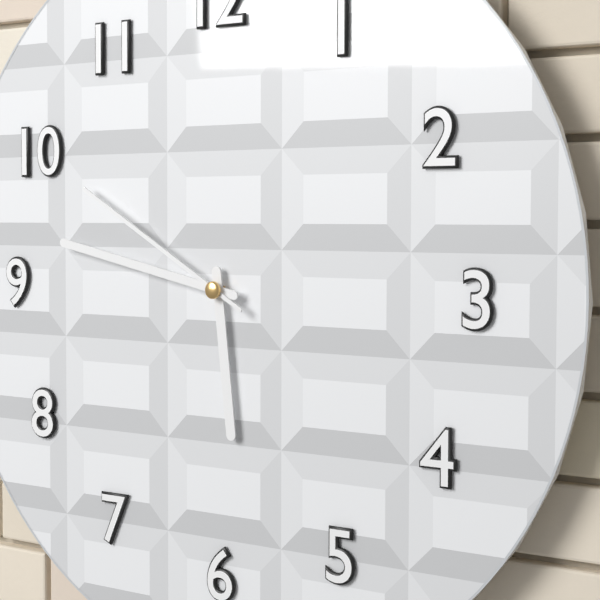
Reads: **5:47:50**
